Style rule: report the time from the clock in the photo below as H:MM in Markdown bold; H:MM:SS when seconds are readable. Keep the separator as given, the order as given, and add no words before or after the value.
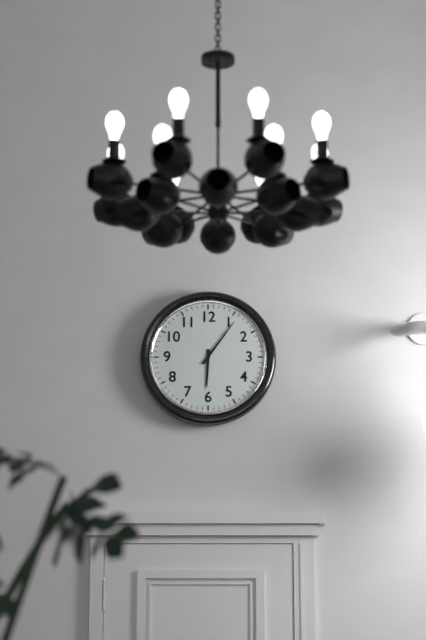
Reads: **6:06**
